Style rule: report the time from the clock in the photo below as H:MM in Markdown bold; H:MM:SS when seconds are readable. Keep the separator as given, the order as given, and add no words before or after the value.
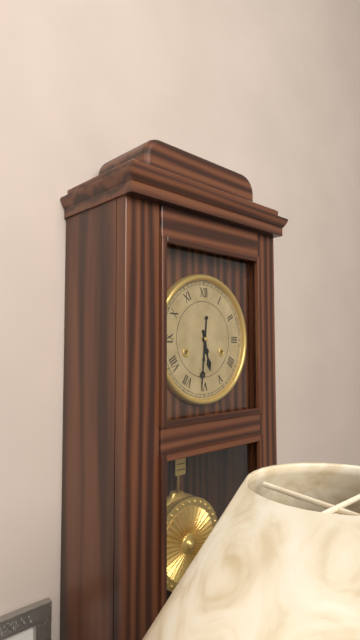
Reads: **5:31**
